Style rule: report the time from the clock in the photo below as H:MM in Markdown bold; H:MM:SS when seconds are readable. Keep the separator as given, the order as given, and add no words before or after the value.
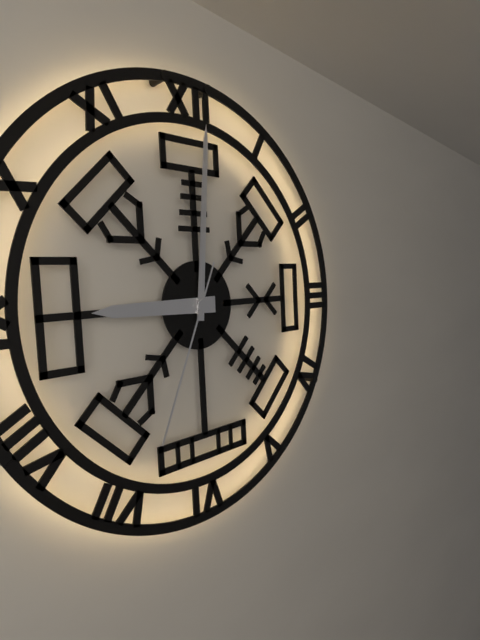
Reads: **9:01:34**
